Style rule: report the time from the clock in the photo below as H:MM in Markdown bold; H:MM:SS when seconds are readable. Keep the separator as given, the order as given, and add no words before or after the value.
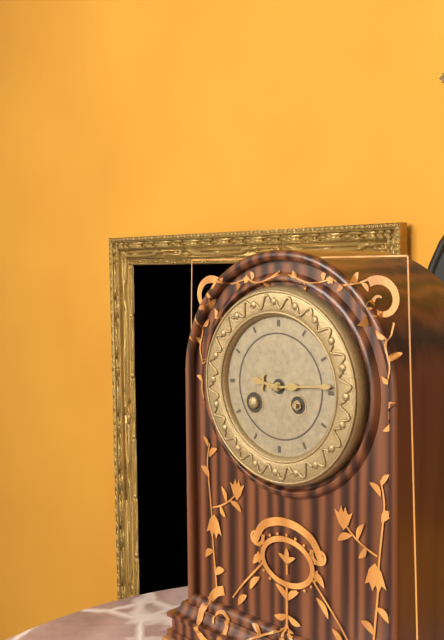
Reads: **9:14**
